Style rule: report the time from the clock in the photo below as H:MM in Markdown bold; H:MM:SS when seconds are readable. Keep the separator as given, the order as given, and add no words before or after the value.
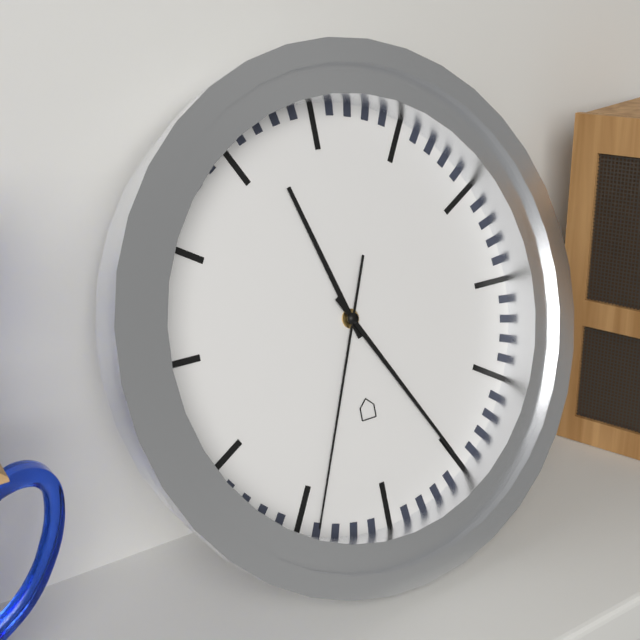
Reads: **11:25:34**
